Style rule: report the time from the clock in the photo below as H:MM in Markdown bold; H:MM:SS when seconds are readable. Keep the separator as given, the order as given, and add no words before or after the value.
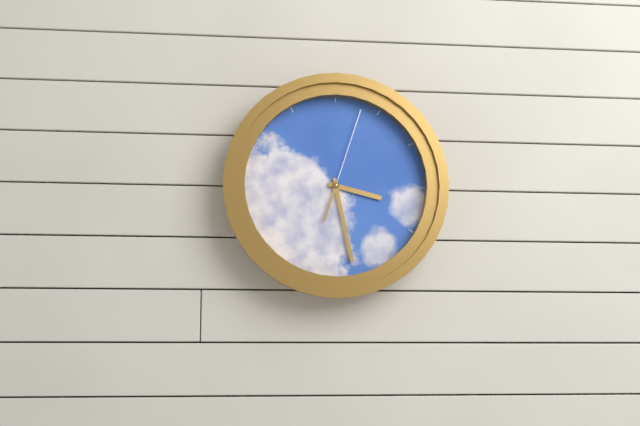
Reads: **3:28:03**
